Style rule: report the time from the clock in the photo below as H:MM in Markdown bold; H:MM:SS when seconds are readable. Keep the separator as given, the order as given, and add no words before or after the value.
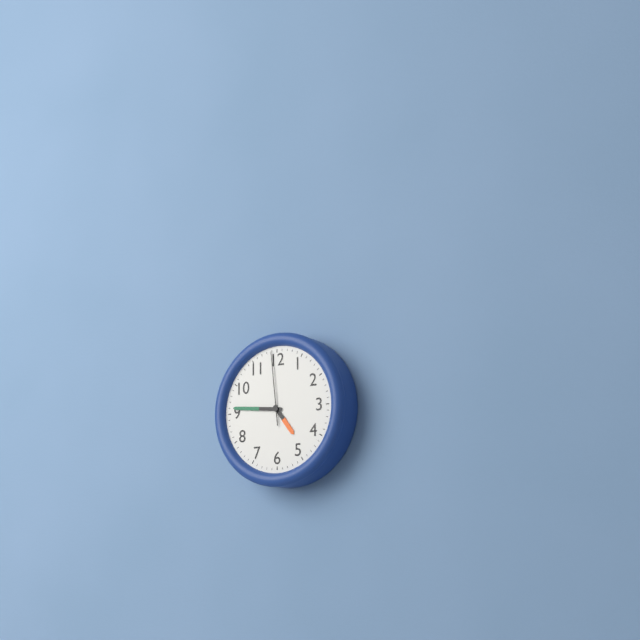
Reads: **4:46:59**
